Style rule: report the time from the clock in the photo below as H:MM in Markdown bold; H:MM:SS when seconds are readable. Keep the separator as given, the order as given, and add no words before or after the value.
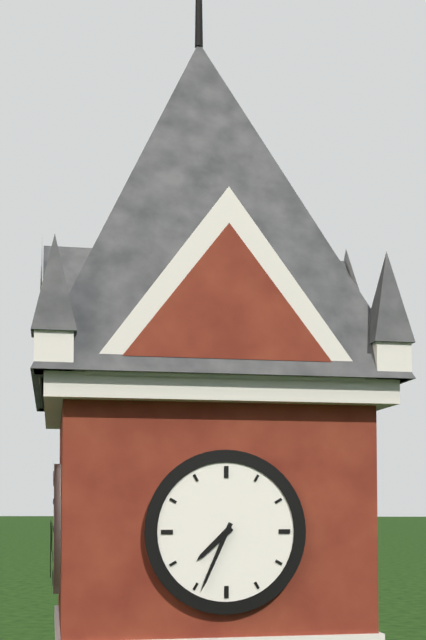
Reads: **7:34**
